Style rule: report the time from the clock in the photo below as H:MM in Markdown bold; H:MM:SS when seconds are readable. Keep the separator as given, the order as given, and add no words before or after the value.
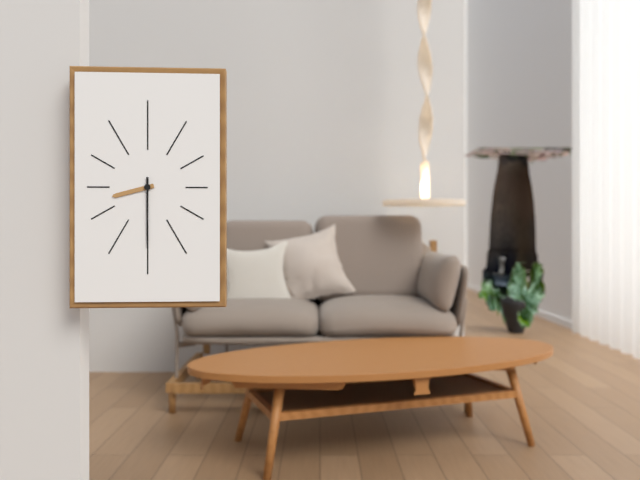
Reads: **8:30**
